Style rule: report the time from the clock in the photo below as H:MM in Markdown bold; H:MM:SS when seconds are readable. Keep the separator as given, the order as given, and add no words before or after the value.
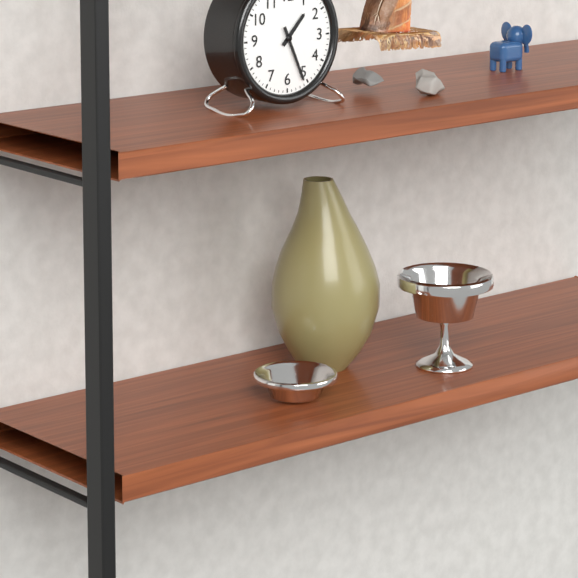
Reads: **1:26**
